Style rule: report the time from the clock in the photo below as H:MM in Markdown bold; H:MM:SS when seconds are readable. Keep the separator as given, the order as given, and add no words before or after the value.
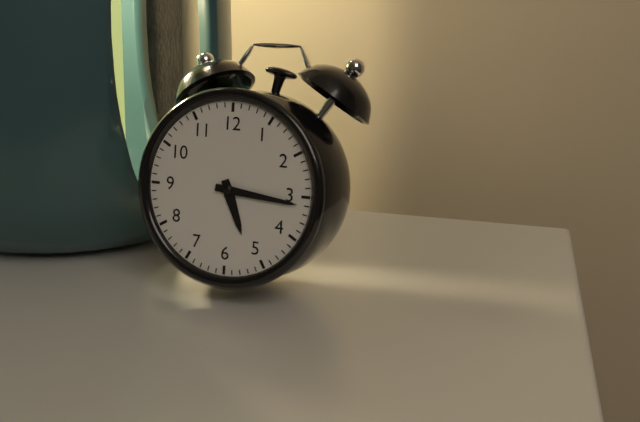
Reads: **5:16**
